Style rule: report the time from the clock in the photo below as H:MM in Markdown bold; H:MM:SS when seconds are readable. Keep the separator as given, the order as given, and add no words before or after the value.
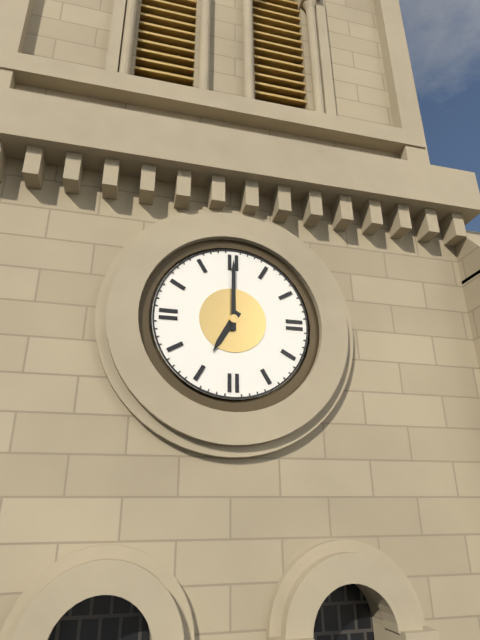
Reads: **7:00**
